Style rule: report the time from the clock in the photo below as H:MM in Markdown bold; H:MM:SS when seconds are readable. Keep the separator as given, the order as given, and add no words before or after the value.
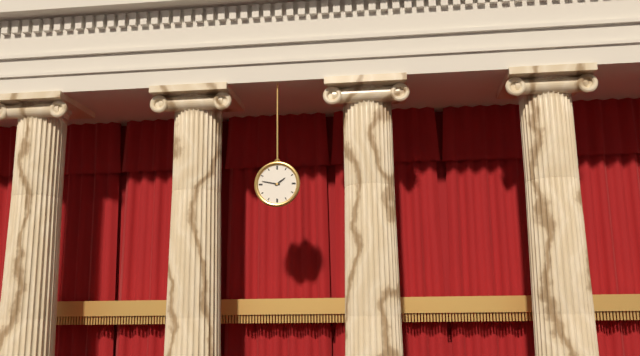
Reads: **1:47**
